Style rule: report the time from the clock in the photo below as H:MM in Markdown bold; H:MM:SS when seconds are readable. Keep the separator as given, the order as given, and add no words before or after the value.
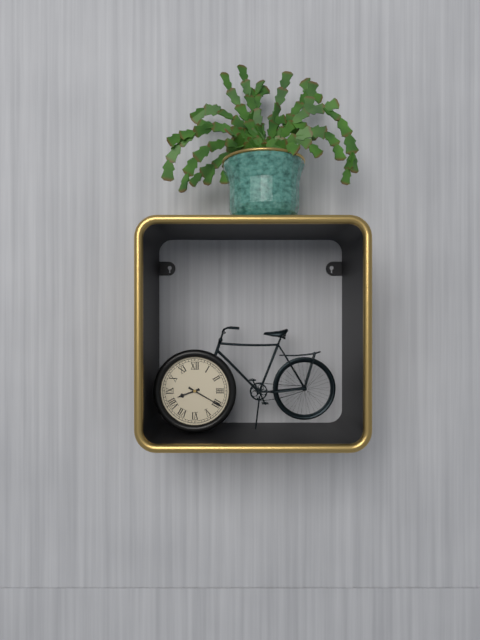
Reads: **8:20**
